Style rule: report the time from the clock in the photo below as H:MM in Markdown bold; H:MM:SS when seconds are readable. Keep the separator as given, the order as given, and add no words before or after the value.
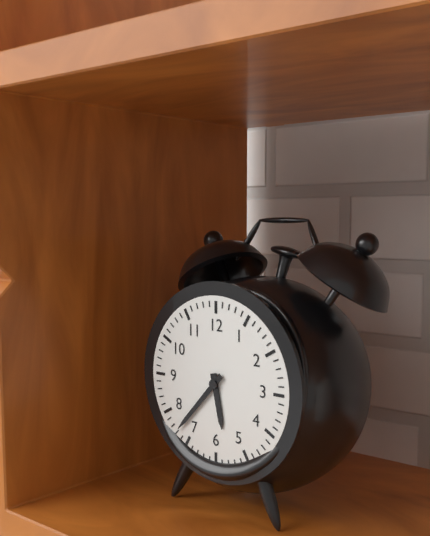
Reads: **5:37**
